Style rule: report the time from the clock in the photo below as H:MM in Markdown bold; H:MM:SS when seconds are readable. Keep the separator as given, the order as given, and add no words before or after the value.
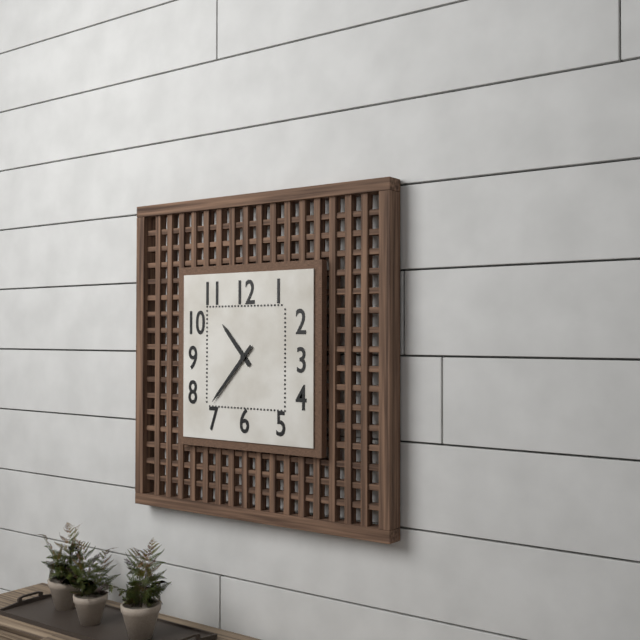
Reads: **10:37**
